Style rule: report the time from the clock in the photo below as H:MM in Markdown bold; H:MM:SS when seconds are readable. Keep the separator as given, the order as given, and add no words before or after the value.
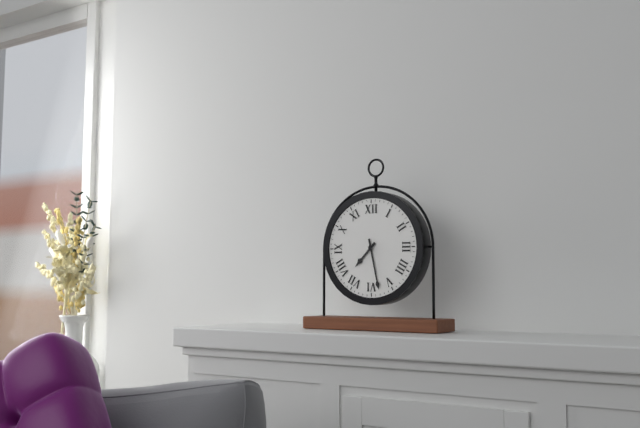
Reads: **7:28**
